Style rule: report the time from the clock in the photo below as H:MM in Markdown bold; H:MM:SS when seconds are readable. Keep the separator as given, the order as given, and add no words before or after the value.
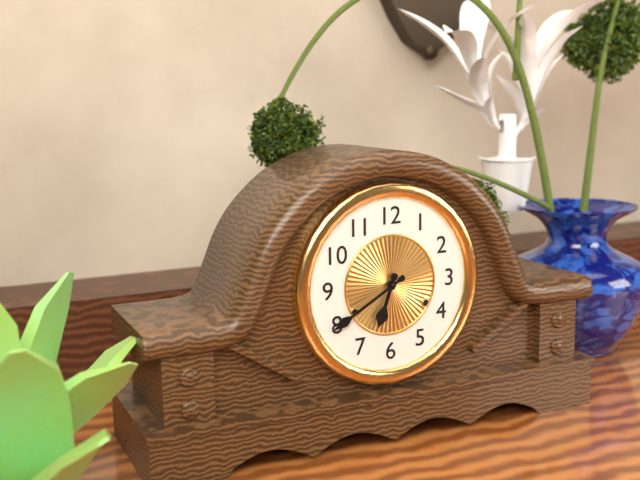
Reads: **6:40**
